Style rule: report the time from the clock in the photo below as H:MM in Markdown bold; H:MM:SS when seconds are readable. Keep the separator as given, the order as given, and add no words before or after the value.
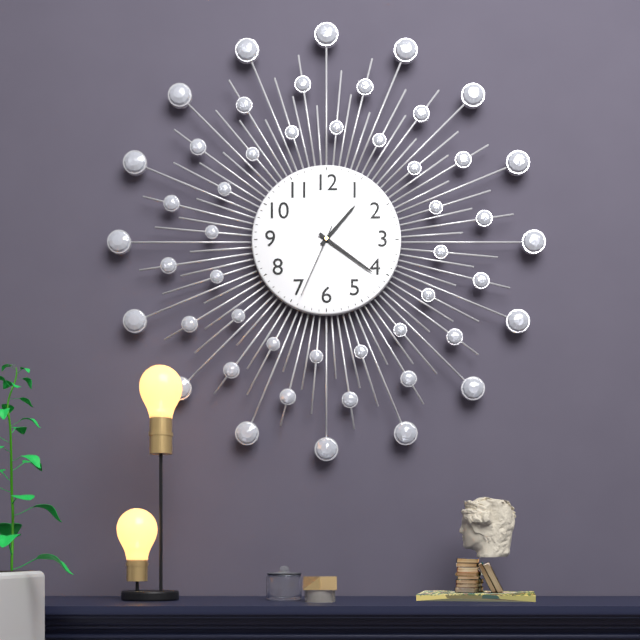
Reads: **1:21:34**
